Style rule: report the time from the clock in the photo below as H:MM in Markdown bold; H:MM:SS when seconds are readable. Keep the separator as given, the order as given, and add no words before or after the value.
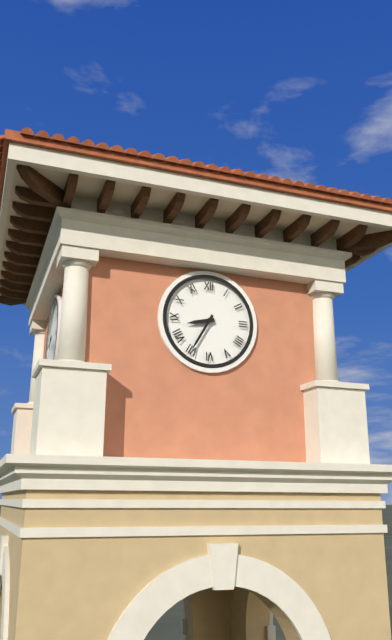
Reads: **8:35**
